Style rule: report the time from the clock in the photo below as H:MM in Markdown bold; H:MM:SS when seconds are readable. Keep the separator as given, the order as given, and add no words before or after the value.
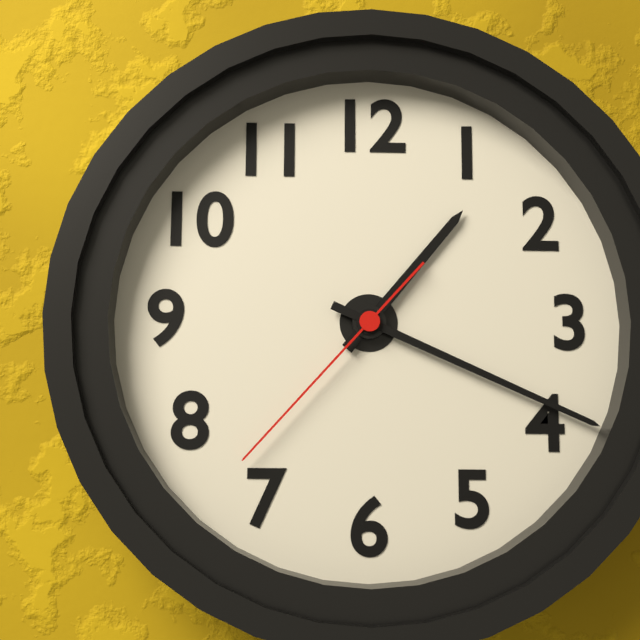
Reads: **1:19:37**
